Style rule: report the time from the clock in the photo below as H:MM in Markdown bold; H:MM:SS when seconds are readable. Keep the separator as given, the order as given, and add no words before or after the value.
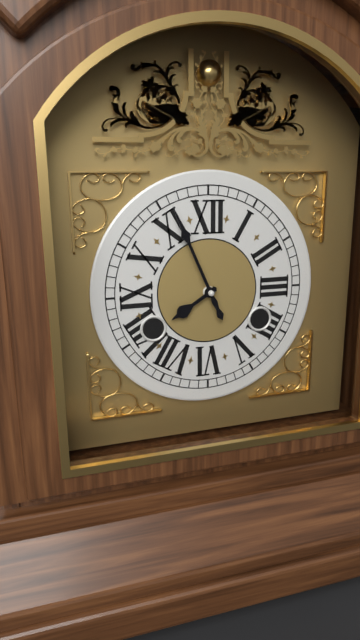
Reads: **7:56**
